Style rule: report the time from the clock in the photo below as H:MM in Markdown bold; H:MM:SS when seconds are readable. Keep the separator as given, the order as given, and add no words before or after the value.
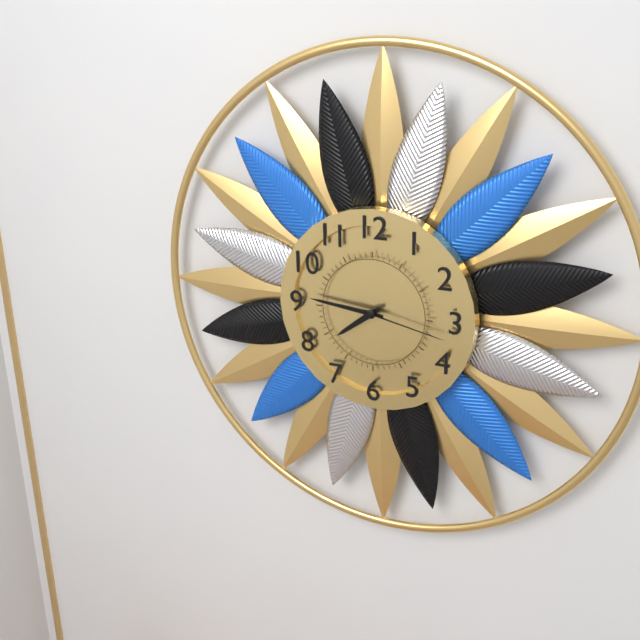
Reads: **7:46:17**
